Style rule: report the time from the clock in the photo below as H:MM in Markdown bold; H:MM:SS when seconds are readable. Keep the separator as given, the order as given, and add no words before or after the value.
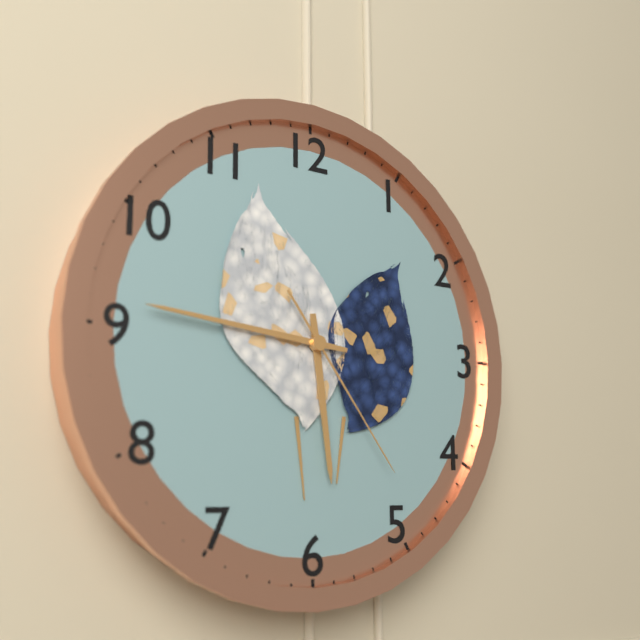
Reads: **5:46:24**
